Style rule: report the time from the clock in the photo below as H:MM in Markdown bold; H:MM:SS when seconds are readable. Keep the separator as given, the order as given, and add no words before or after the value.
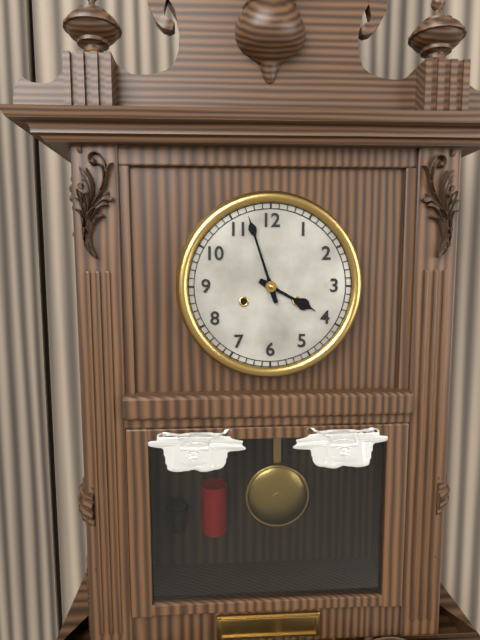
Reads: **3:57**
